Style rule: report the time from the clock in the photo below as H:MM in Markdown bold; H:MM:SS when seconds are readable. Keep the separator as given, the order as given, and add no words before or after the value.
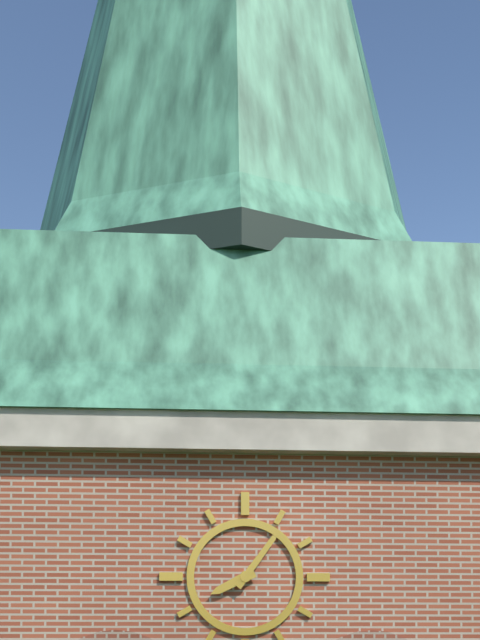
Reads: **8:06**
